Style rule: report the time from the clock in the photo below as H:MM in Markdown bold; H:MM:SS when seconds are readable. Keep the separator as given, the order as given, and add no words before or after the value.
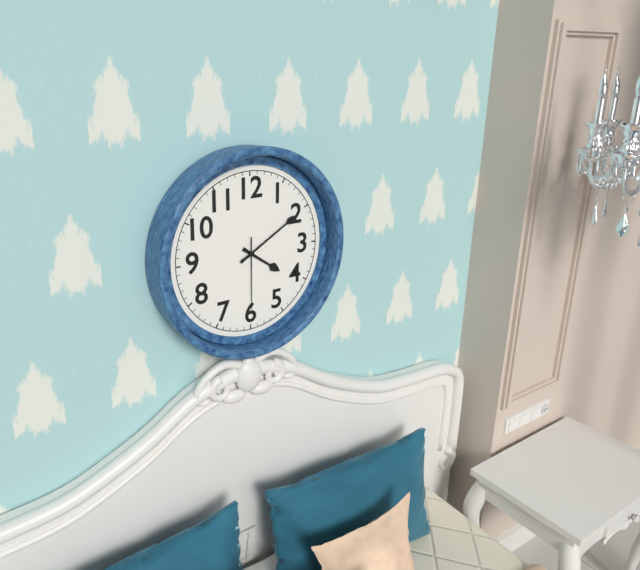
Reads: **4:10:30**
